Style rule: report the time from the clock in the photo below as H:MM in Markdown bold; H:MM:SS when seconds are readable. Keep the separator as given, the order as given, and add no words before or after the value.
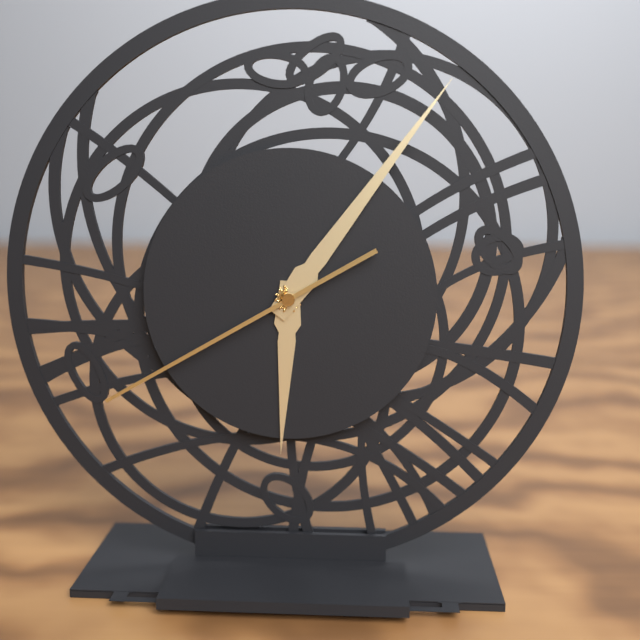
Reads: **6:06:40**
